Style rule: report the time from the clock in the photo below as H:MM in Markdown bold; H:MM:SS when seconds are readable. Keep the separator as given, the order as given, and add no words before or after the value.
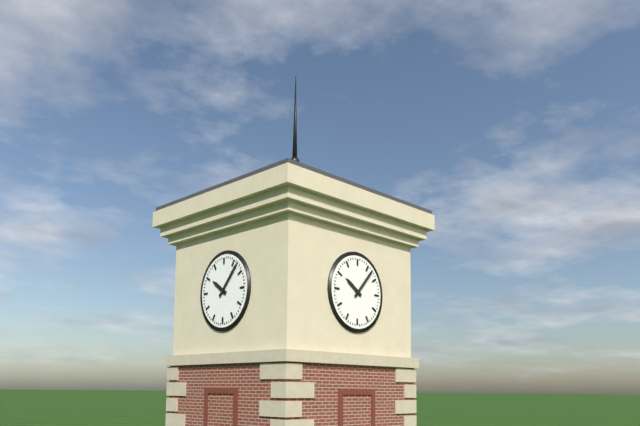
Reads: **10:07**
